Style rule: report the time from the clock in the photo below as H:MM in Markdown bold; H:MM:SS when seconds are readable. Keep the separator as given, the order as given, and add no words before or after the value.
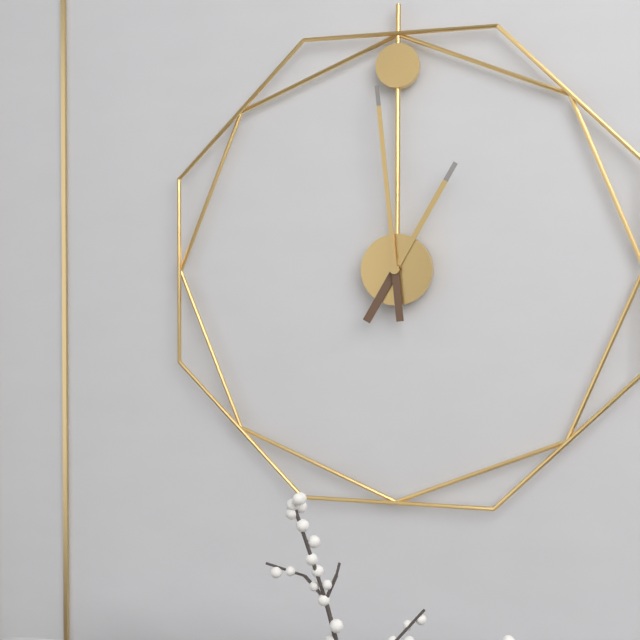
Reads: **12:59**
